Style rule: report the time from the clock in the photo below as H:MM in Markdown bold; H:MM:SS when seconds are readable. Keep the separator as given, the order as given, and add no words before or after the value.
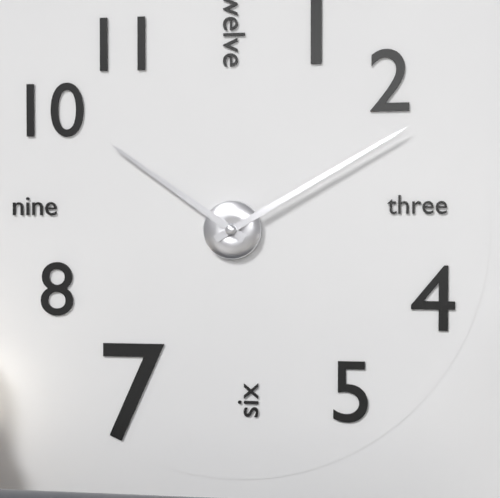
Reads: **10:10**
